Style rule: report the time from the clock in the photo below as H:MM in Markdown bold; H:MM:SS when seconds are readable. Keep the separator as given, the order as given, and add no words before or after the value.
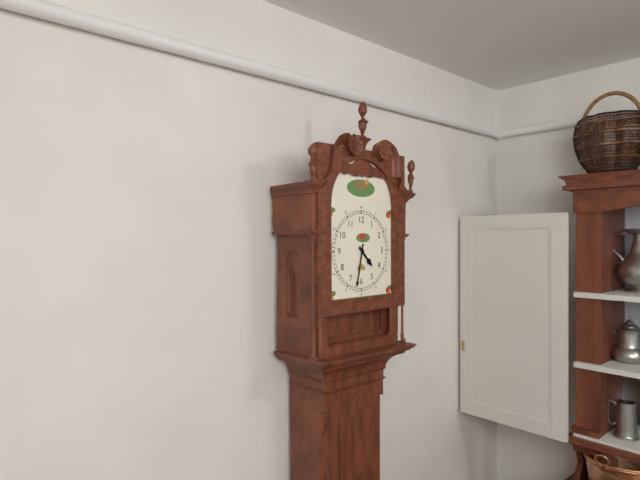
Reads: **4:32**
